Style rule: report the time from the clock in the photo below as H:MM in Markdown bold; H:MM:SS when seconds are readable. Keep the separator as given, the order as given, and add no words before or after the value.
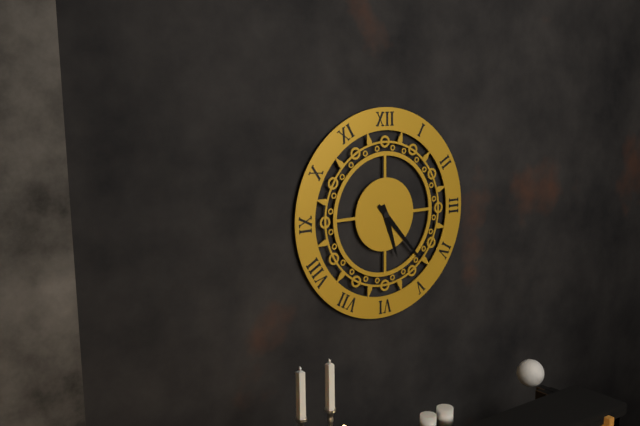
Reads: **5:23**
